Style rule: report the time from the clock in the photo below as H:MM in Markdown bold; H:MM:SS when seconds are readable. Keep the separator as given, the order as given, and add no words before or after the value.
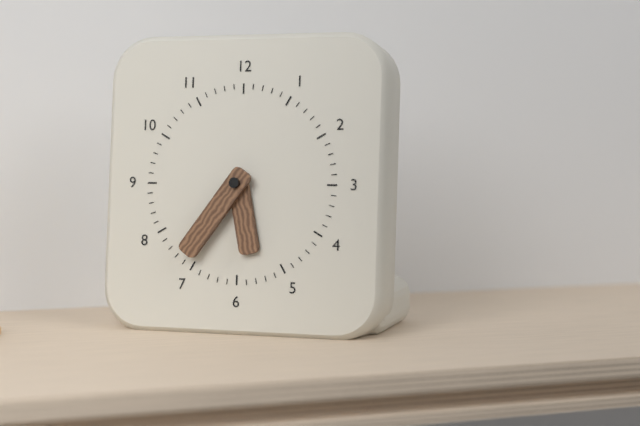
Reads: **5:36**
